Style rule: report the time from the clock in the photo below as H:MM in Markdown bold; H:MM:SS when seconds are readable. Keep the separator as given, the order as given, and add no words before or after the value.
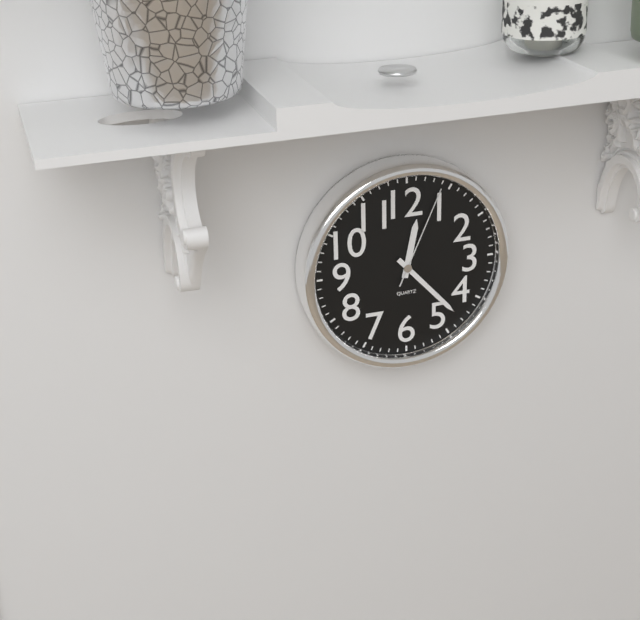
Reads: **12:23:04**
